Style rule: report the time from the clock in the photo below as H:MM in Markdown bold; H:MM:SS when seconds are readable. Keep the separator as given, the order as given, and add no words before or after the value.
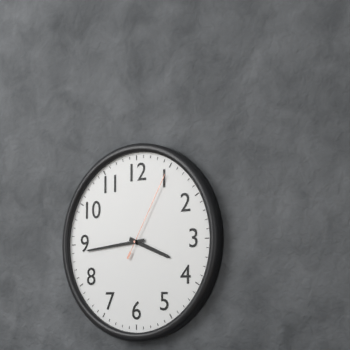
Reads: **3:44:05**
